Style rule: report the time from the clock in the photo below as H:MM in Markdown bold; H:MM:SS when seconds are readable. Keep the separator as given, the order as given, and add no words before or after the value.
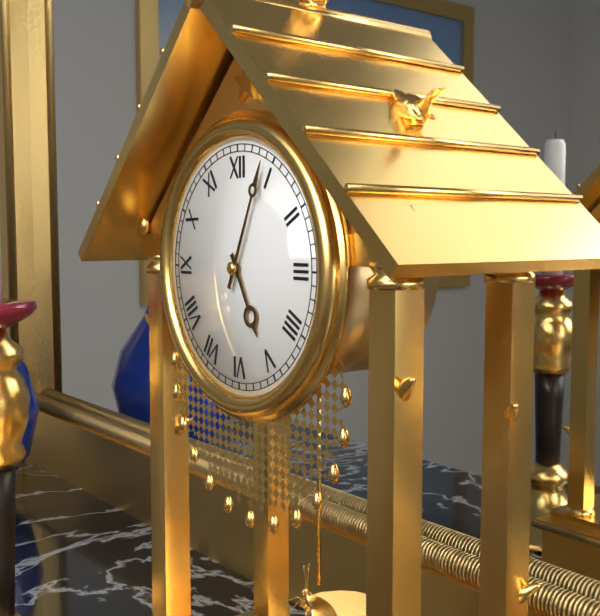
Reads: **5:04**
